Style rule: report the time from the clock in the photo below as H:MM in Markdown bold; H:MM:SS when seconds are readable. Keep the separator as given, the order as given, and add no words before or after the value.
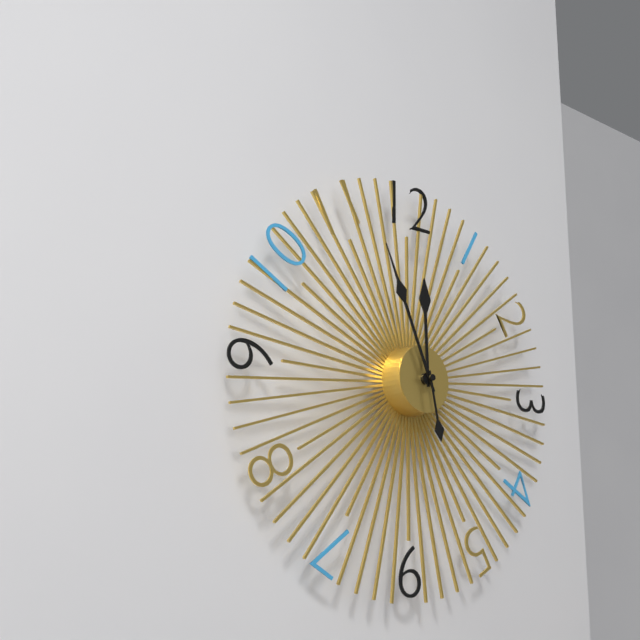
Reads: **11:56:28**
